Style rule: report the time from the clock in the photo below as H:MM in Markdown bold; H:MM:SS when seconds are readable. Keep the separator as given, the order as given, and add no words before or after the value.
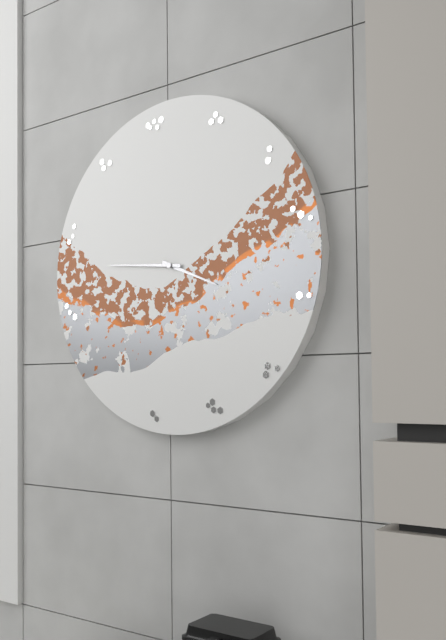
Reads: **3:46**
